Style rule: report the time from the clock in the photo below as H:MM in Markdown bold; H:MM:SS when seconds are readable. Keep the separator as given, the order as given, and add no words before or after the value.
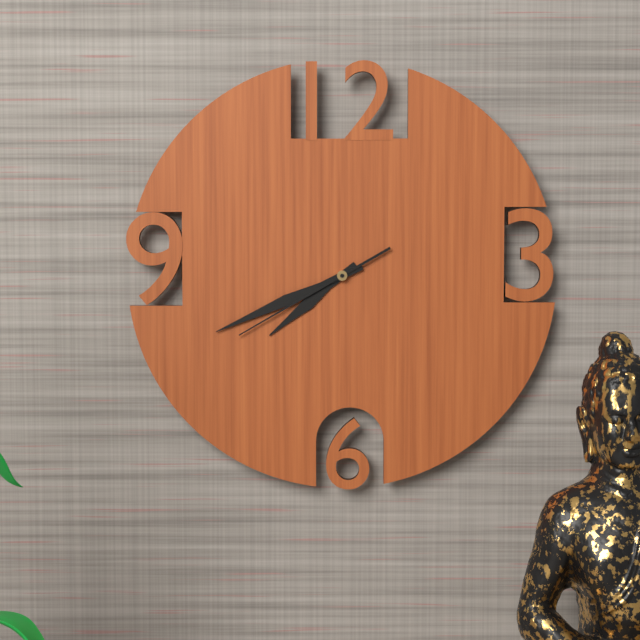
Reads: **7:41:40**
